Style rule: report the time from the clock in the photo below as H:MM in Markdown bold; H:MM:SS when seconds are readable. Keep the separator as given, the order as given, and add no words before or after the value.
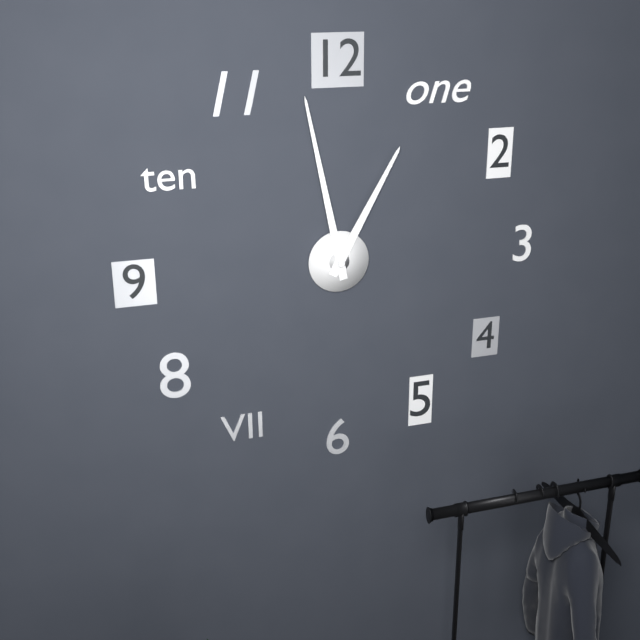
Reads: **12:58**
